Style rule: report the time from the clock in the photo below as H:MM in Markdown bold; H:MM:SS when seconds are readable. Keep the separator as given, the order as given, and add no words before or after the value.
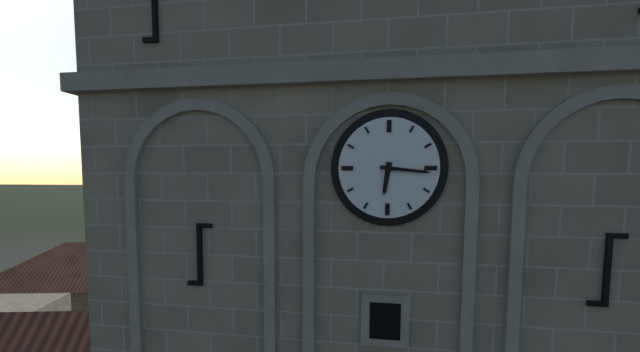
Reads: **6:16**
